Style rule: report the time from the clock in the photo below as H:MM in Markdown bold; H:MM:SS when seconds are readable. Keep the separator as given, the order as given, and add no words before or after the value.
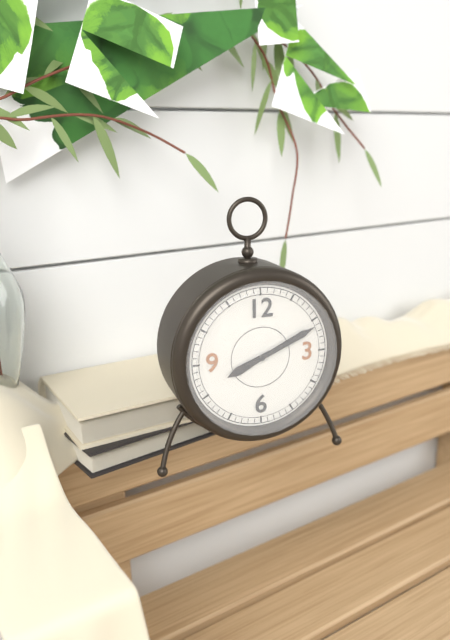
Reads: **8:11**
